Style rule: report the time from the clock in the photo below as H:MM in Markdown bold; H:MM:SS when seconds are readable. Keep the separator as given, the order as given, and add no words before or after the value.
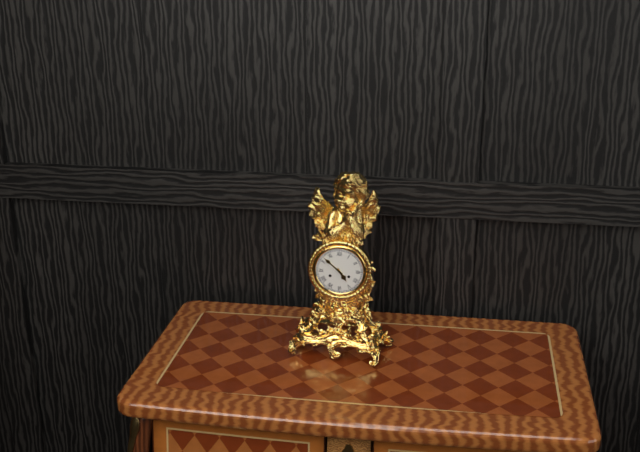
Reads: **4:52**
